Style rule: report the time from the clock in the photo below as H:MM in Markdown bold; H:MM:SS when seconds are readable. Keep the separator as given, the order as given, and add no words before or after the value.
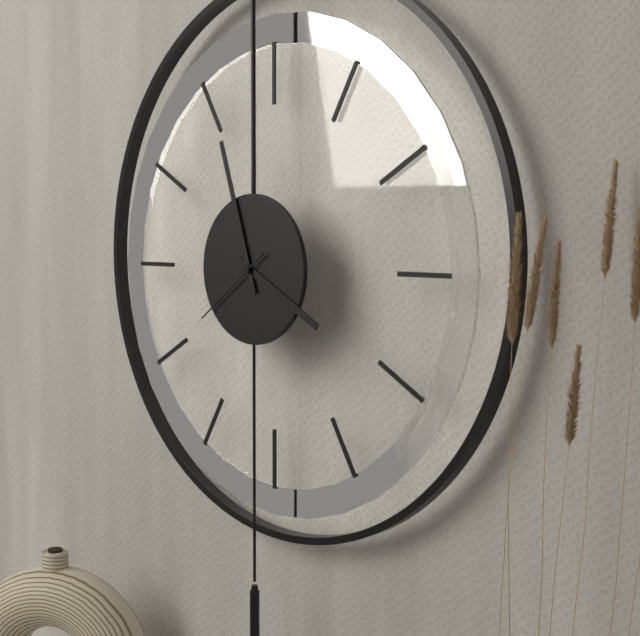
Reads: **3:57:39**
